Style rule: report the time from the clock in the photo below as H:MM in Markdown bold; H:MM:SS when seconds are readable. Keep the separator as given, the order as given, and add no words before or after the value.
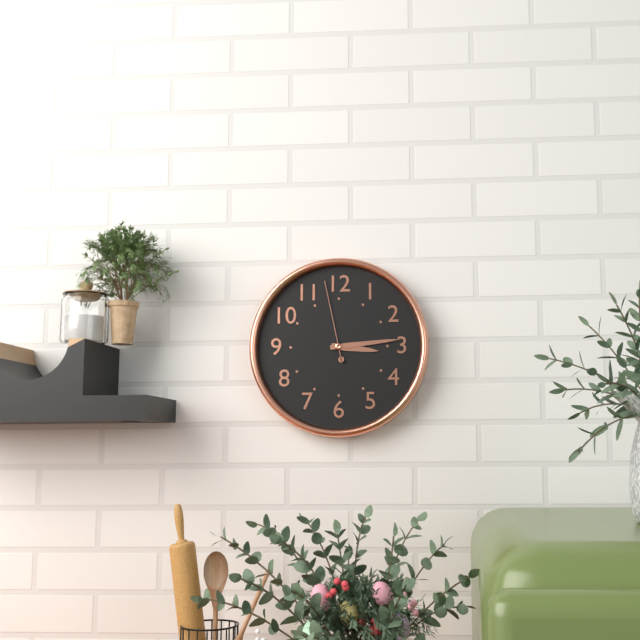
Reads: **3:14:58**
